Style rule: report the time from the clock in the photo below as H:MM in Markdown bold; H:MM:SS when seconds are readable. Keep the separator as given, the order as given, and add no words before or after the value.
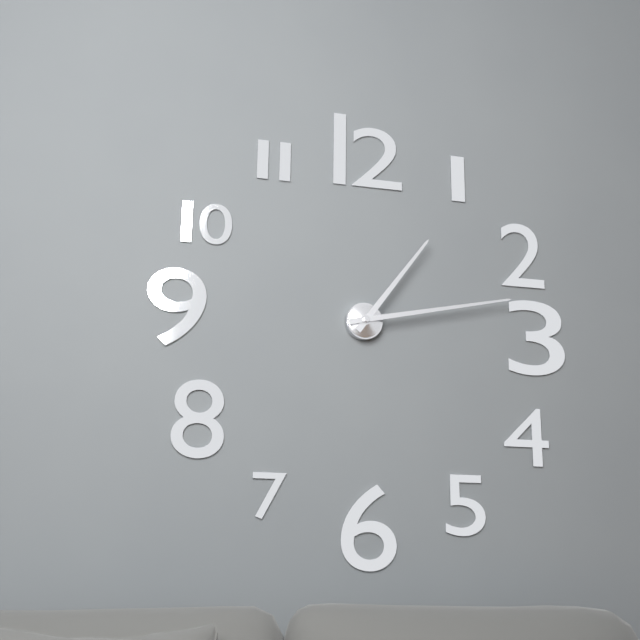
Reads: **1:13**
